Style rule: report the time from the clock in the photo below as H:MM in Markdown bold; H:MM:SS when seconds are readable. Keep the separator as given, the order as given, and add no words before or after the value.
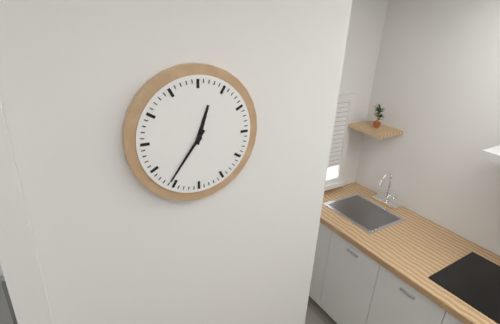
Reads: **12:36**
